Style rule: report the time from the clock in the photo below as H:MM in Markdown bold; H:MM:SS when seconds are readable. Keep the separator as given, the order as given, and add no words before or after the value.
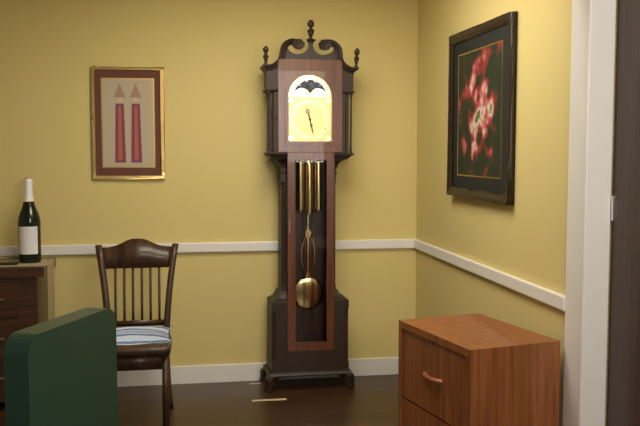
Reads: **11:28**
